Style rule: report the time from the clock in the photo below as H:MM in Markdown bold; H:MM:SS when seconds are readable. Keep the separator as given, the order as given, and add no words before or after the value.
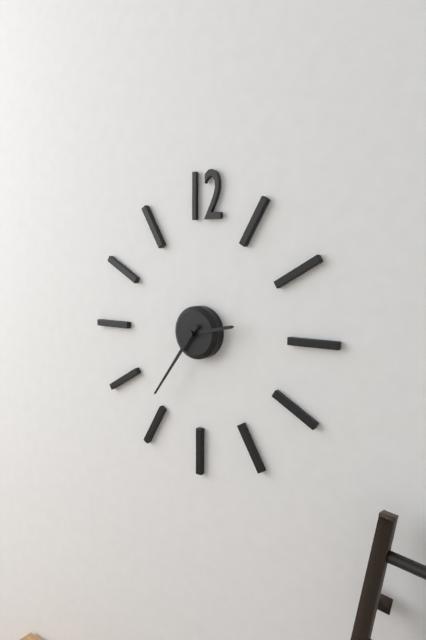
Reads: **2:36**
